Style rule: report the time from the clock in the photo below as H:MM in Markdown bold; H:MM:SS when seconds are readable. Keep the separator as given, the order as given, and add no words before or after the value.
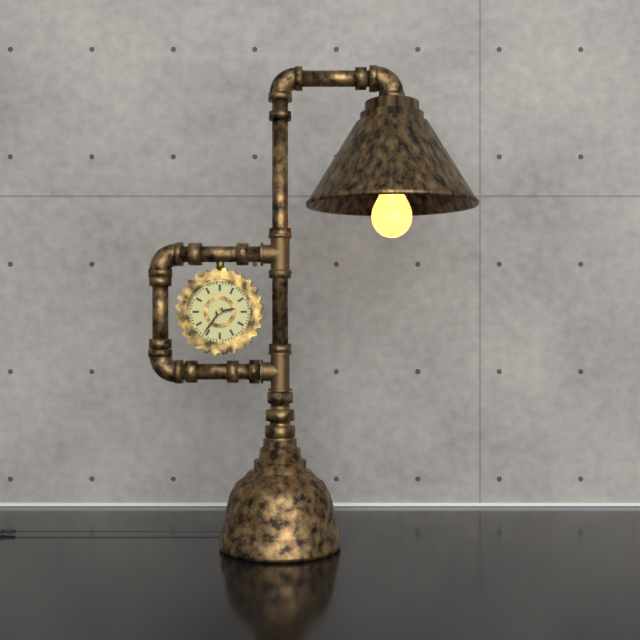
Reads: **2:36**
